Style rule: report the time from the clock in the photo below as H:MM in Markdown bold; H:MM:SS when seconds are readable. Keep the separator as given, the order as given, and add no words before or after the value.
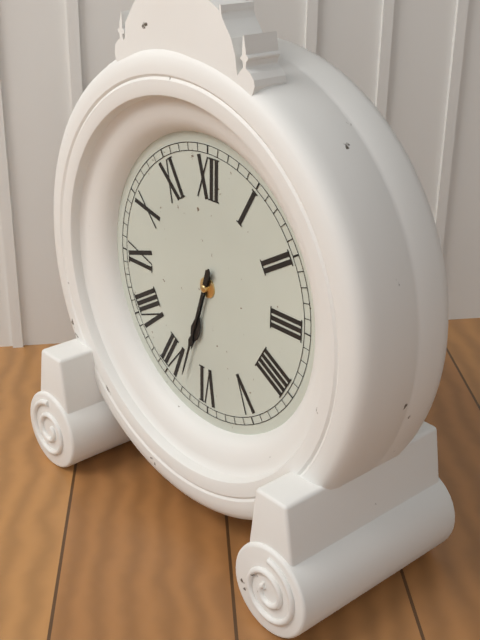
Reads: **6:33**
